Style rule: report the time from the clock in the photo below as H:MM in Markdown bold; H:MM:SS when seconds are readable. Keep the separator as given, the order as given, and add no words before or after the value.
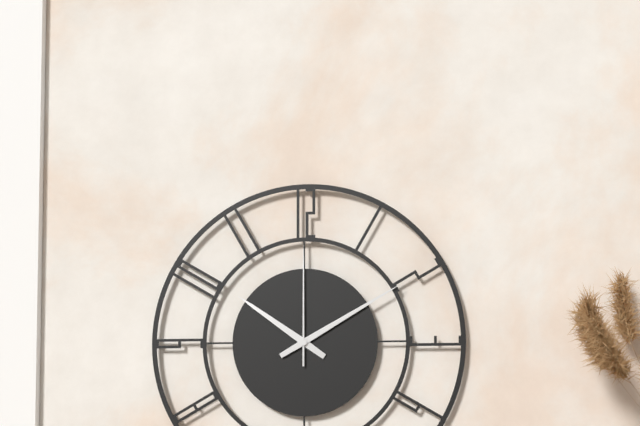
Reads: **10:10:00**
